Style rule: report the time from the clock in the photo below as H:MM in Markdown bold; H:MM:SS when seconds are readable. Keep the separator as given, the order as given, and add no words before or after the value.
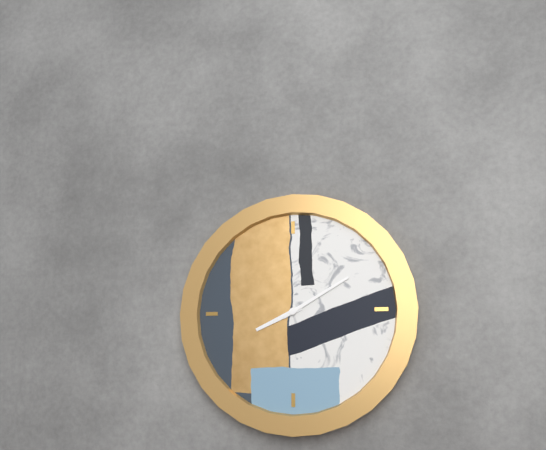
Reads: **8:10**
